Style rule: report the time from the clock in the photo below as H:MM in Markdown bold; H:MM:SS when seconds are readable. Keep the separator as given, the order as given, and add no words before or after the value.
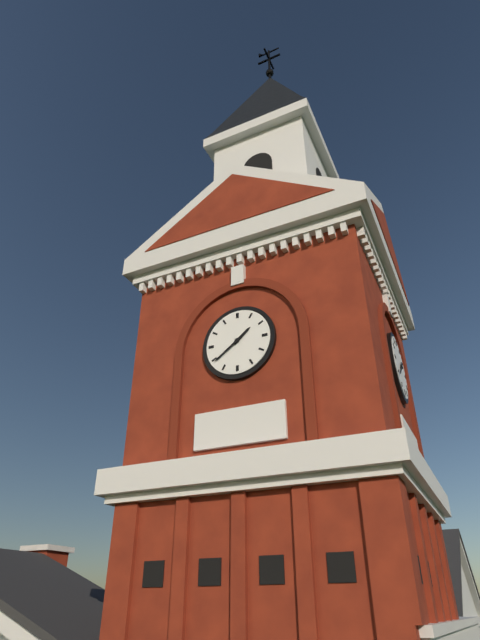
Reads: **1:39**
